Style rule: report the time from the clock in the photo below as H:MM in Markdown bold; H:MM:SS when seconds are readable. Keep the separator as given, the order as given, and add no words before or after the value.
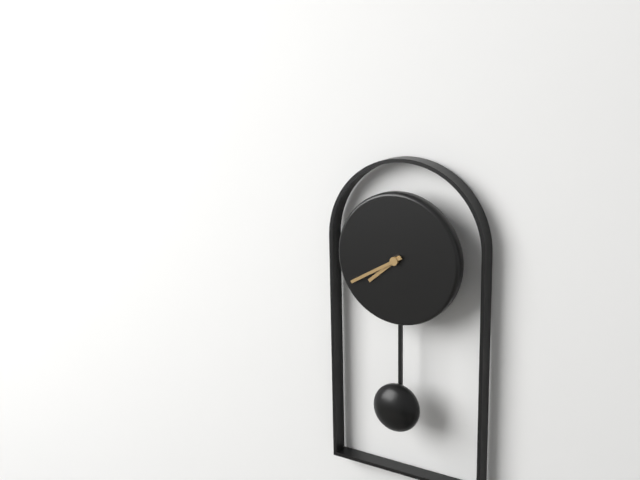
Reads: **7:40**
